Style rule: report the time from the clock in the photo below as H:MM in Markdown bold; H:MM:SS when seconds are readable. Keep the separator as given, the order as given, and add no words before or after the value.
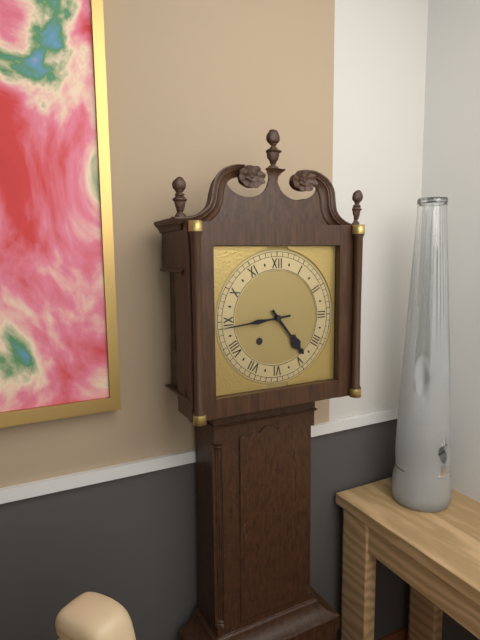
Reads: **4:44**
